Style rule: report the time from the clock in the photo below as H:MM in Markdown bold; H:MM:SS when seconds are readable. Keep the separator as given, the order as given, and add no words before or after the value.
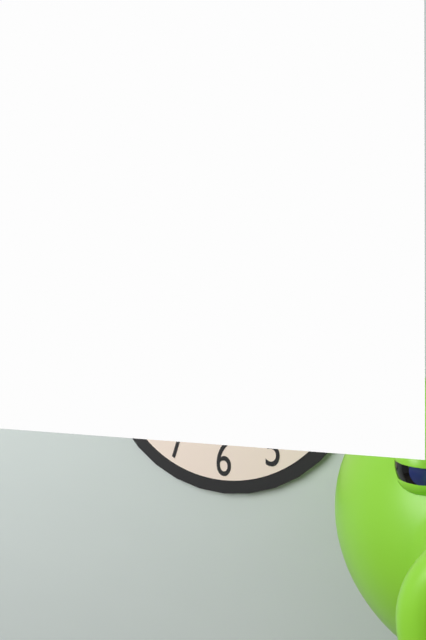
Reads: **8:03:58**
